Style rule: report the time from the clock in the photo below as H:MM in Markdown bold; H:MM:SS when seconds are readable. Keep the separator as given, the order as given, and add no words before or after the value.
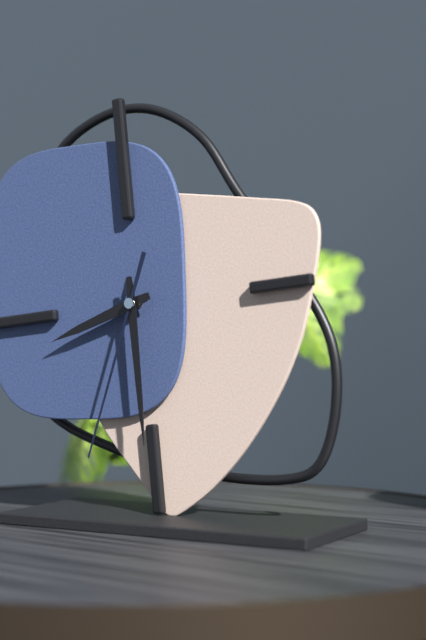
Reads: **8:30:34**
